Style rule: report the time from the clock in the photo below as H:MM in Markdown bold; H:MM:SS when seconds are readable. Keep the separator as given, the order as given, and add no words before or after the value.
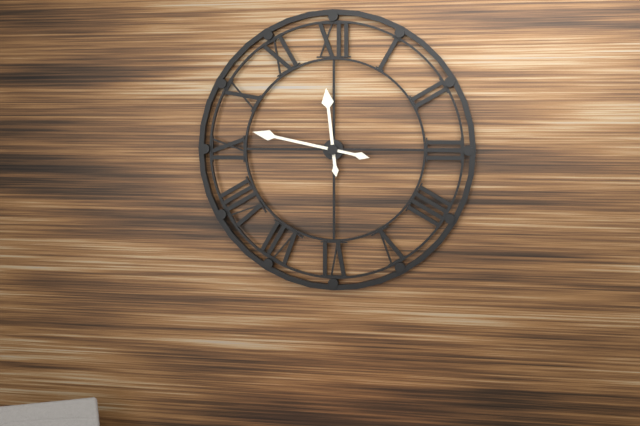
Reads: **11:47**
